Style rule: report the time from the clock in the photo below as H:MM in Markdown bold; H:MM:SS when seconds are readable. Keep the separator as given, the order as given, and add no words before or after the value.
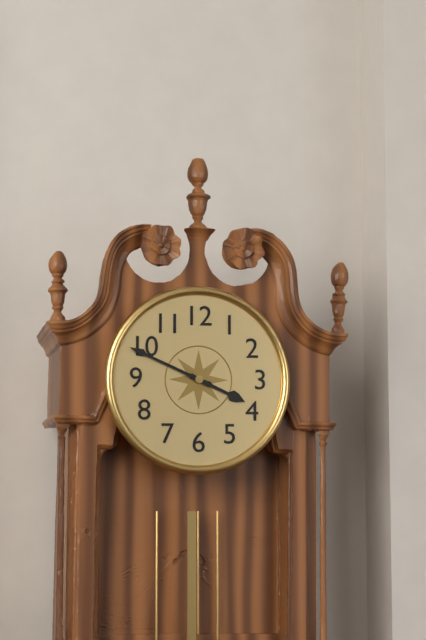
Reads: **3:49**
